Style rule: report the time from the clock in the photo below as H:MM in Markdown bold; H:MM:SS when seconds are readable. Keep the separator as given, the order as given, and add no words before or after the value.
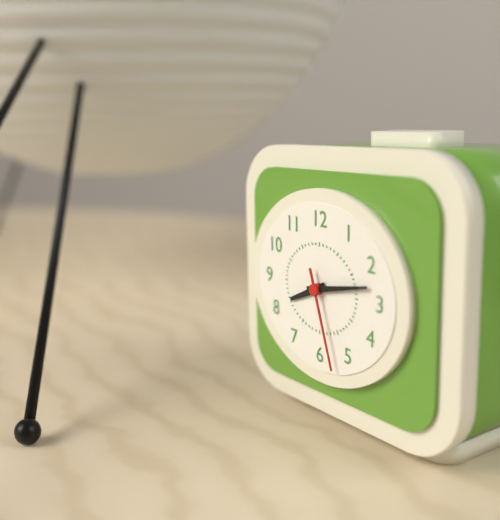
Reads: **8:13:27**
